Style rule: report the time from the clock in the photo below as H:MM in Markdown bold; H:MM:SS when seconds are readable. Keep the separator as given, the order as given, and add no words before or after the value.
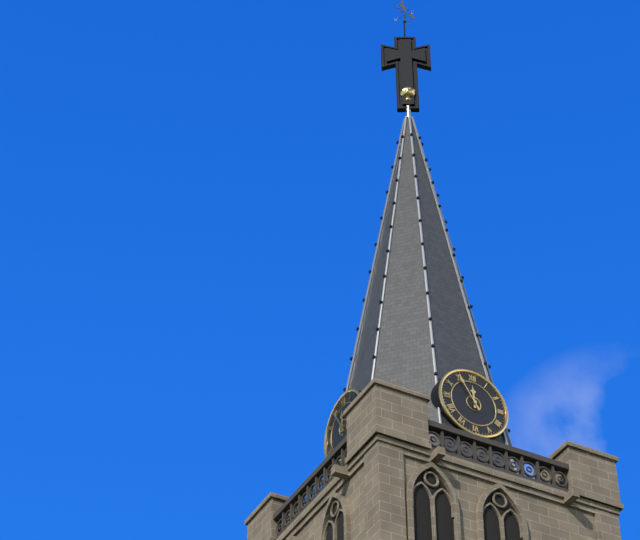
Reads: **11:55**
